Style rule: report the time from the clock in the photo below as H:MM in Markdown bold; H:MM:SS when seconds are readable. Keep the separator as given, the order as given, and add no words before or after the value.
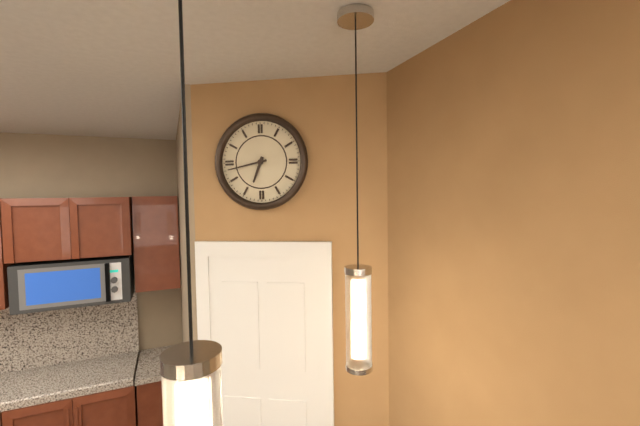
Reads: **6:43**
